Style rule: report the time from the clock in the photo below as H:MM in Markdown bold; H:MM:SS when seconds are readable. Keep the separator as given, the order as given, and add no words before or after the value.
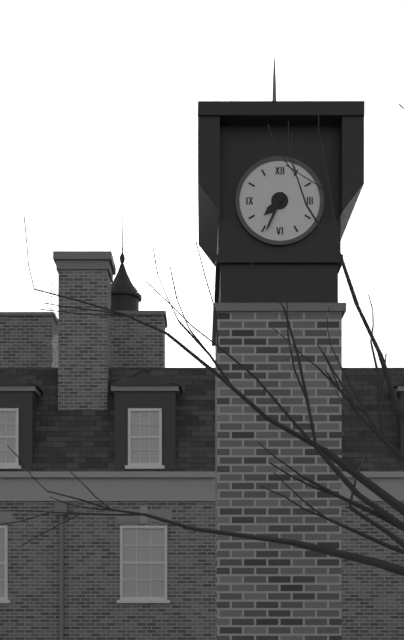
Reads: **7:34**
